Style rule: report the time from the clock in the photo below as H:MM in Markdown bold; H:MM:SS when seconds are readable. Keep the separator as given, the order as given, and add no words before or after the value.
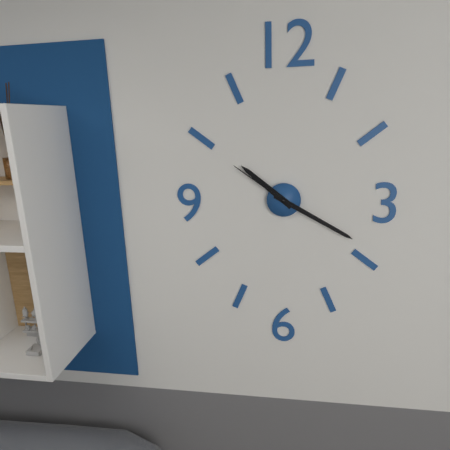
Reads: **10:20:51**
